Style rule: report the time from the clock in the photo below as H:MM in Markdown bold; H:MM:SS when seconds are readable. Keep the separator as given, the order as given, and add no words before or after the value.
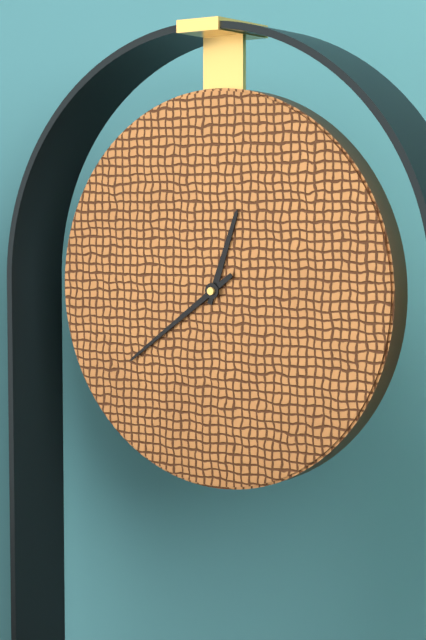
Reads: **12:39**
